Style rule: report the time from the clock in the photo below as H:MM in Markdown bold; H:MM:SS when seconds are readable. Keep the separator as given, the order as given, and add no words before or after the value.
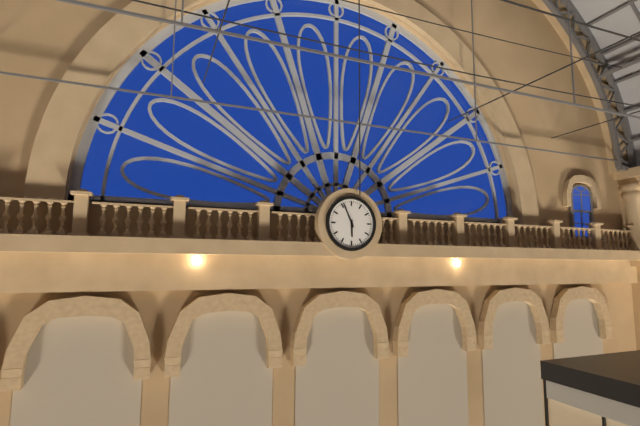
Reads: **5:56**
